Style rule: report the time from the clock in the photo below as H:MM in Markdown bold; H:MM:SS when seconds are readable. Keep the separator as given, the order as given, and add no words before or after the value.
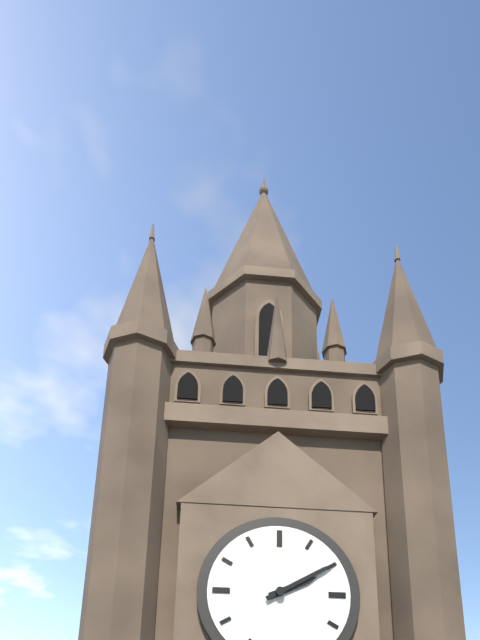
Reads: **2:10**
